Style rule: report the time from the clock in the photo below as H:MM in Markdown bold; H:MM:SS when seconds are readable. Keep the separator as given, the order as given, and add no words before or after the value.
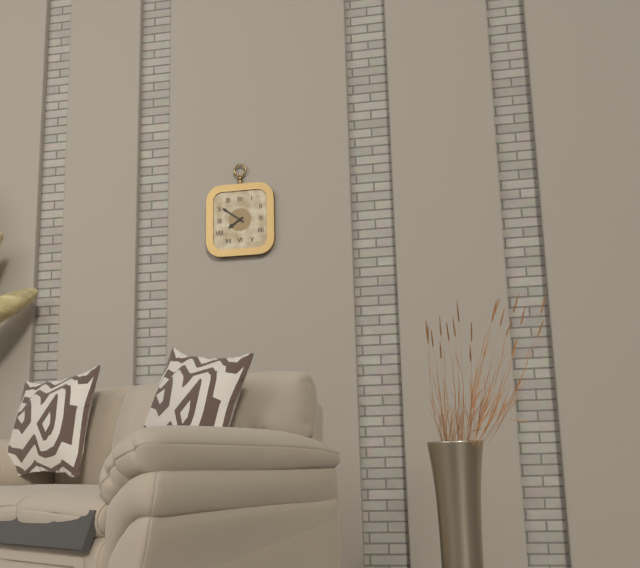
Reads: **7:51**
